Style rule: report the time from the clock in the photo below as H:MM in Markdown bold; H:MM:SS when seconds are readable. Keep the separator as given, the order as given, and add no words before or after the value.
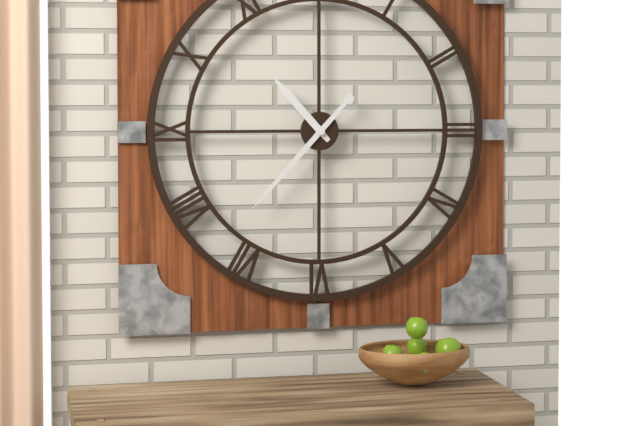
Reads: **10:37**
